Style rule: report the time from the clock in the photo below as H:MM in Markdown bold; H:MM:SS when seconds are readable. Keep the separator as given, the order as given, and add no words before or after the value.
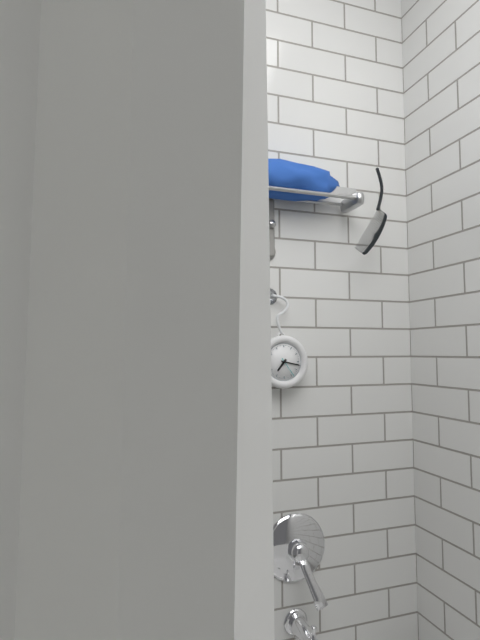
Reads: **7:17**
